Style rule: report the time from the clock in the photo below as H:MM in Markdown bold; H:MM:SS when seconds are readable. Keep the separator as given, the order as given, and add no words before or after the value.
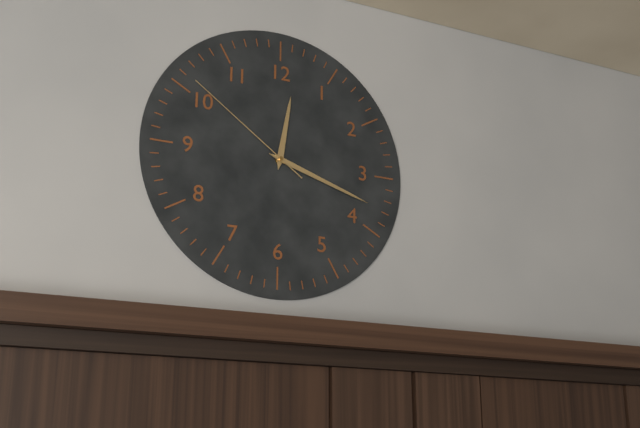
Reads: **12:18:51**
